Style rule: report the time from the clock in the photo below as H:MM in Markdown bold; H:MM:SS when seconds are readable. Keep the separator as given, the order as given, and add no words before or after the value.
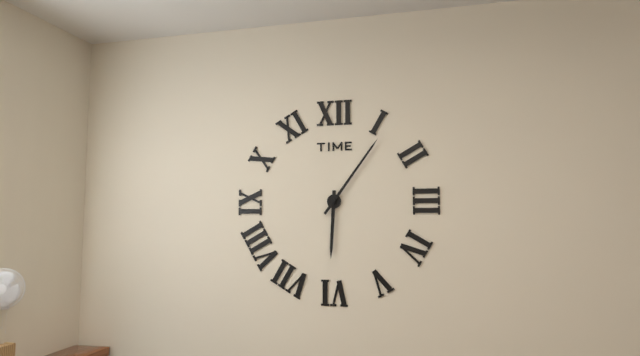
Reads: **6:06**
